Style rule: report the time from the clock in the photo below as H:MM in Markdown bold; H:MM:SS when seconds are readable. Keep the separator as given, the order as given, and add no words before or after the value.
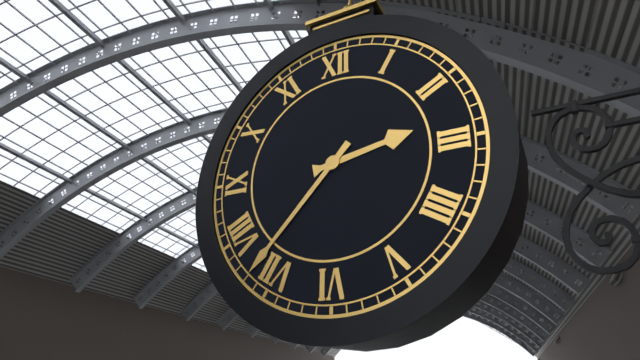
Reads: **2:37**
